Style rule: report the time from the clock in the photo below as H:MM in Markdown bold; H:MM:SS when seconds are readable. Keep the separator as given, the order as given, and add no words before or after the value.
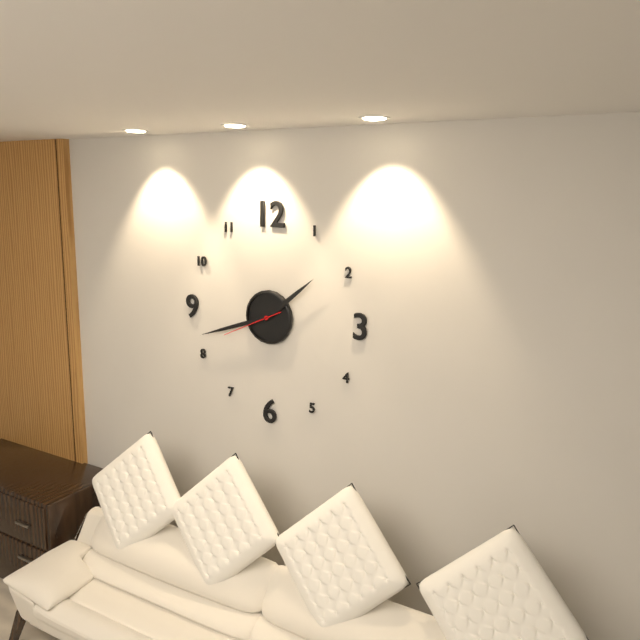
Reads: **1:42:41**
